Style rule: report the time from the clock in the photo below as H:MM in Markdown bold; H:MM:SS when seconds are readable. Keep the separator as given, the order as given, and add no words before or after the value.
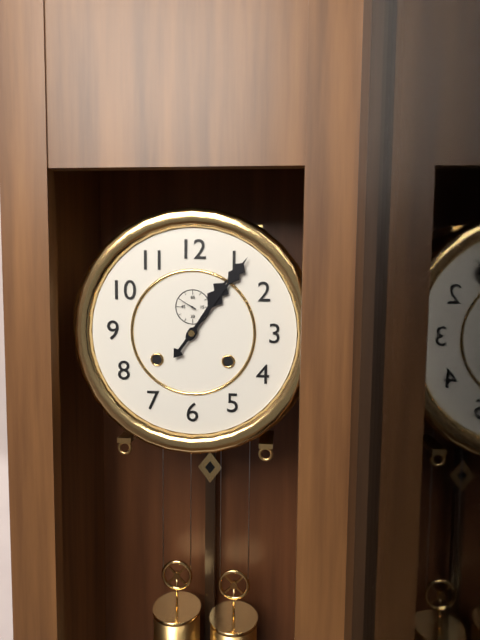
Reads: **1:06**
